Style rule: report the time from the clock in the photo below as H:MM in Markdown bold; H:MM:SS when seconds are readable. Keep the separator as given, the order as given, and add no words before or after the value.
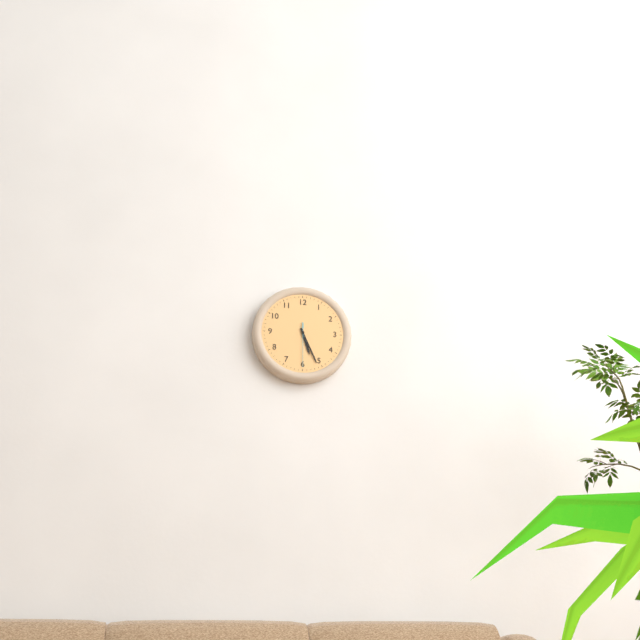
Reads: **5:26**
